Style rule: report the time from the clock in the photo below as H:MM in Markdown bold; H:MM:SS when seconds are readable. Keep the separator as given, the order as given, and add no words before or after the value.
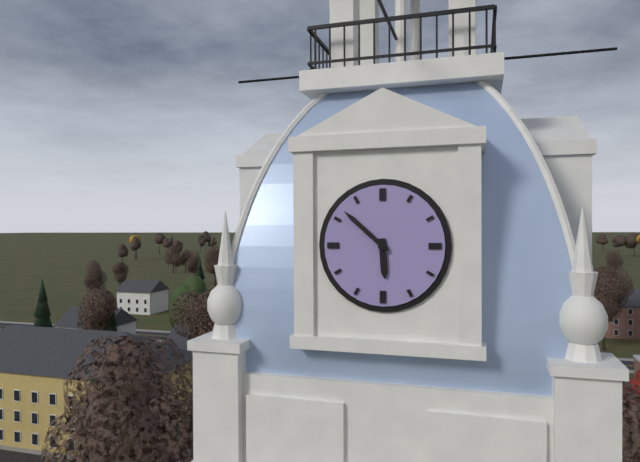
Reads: **5:52**
